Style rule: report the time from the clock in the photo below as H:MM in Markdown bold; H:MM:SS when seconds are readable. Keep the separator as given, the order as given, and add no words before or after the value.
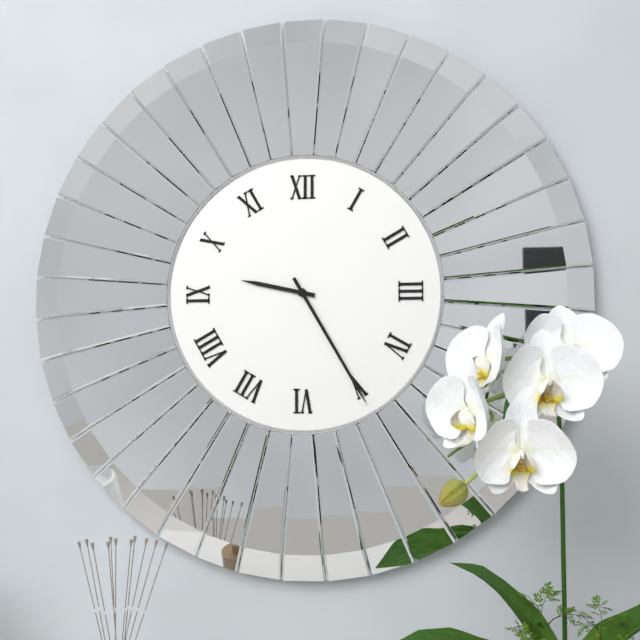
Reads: **9:25**
